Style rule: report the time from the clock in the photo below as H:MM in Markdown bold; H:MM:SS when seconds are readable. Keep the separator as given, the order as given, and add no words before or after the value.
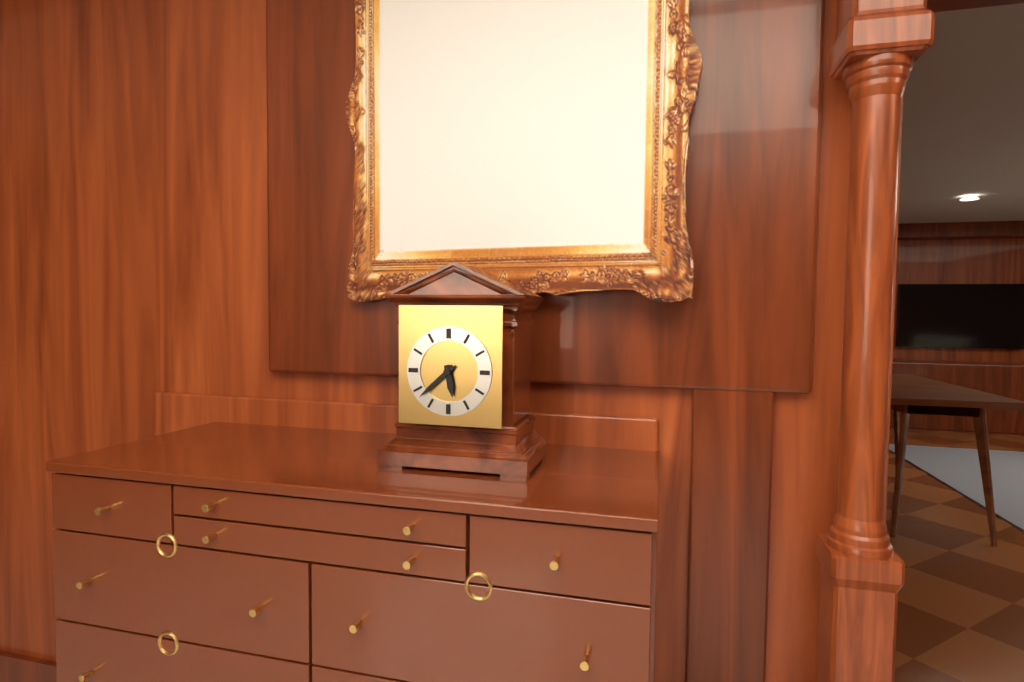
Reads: **5:38**
